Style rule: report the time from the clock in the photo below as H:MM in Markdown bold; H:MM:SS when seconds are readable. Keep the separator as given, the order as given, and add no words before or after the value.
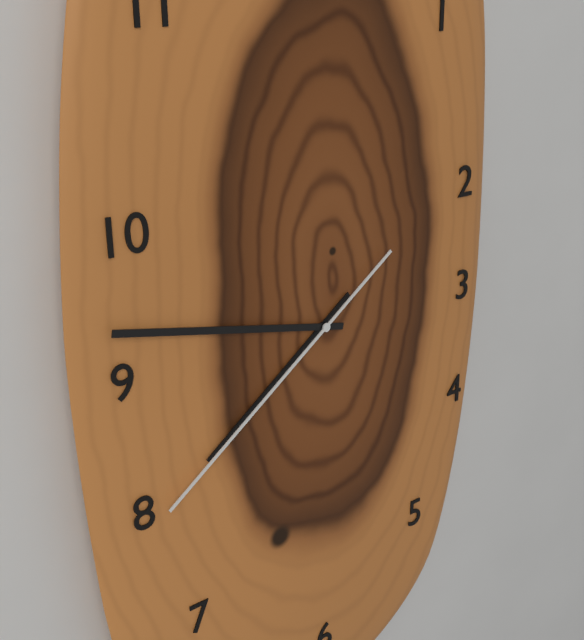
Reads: **7:47:39**
